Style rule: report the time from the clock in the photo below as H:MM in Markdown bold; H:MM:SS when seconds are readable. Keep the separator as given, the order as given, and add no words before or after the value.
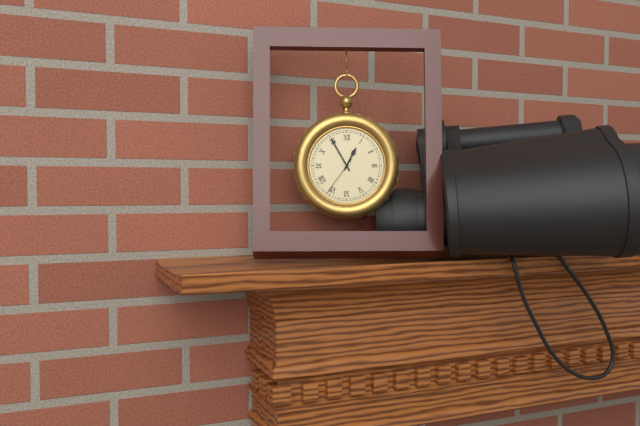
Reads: **12:55**
